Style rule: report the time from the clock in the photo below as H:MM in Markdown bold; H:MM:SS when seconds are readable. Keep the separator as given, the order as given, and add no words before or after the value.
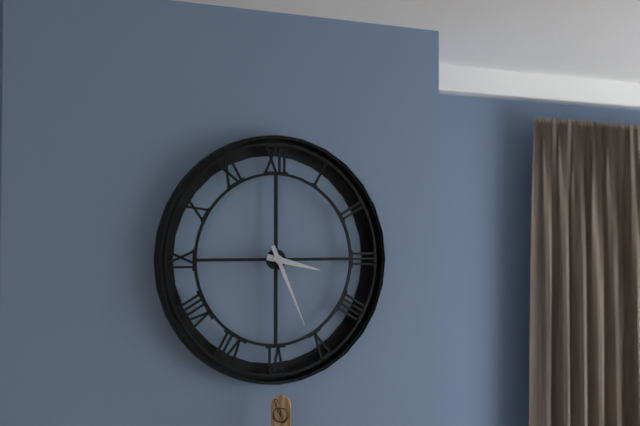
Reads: **3:26**
